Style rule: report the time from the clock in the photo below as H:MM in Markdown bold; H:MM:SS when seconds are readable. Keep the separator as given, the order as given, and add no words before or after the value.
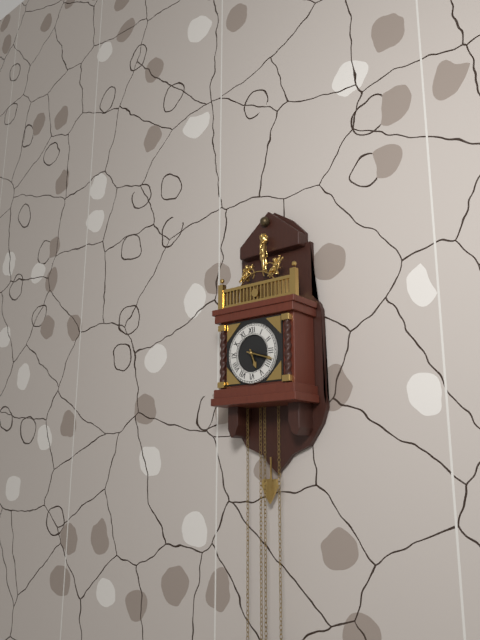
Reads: **5:18**
